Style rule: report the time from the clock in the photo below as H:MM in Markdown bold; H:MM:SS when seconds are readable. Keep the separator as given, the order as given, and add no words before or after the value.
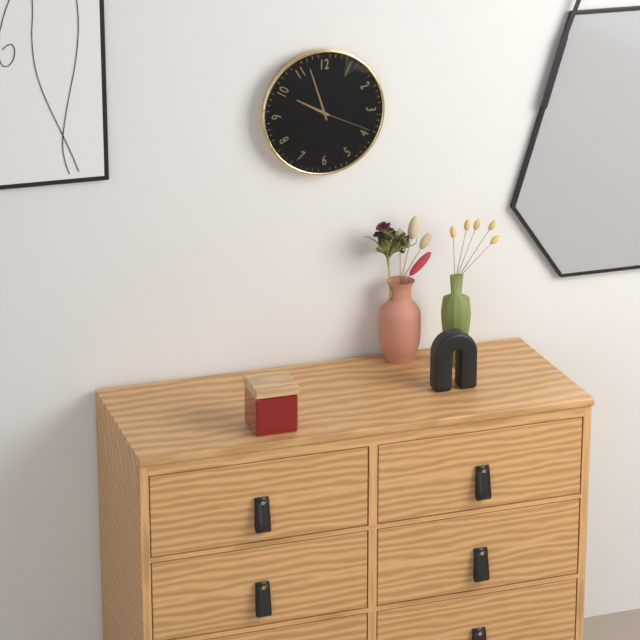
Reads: **9:57:19**
